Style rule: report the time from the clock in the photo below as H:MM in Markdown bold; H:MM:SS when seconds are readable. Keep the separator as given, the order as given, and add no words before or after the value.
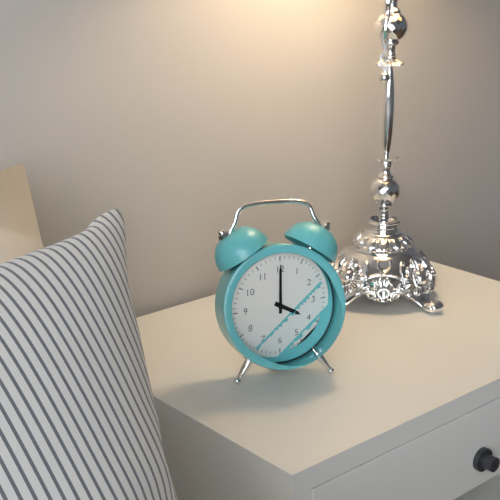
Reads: **4:00**
